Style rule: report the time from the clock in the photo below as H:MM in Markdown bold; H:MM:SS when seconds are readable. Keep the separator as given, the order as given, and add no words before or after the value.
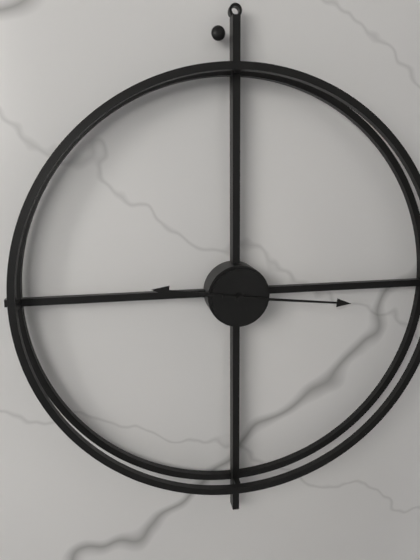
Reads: **9:16**
